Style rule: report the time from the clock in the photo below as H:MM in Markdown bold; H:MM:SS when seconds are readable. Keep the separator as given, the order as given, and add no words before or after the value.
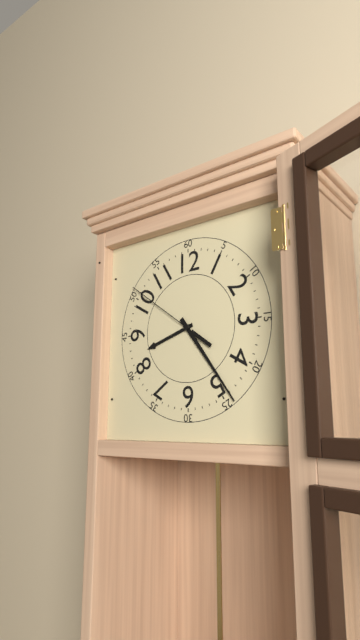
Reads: **8:24:51**
